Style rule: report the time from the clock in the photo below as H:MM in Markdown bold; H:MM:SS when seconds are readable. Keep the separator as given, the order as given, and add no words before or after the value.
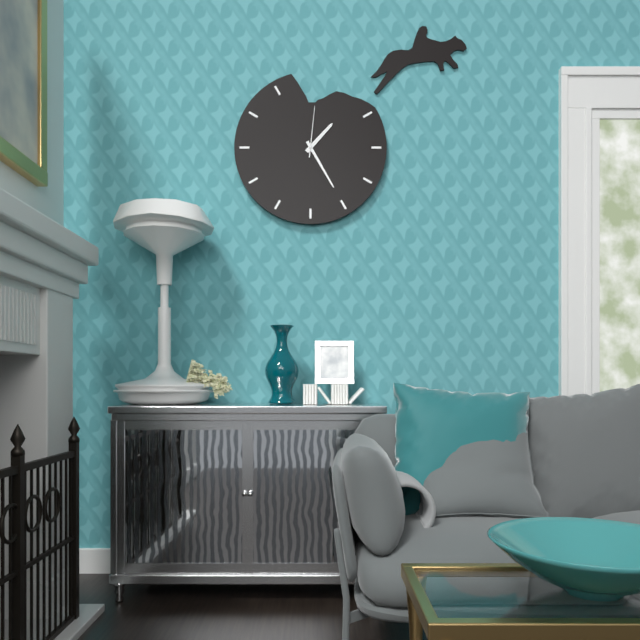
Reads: **1:25:01**
